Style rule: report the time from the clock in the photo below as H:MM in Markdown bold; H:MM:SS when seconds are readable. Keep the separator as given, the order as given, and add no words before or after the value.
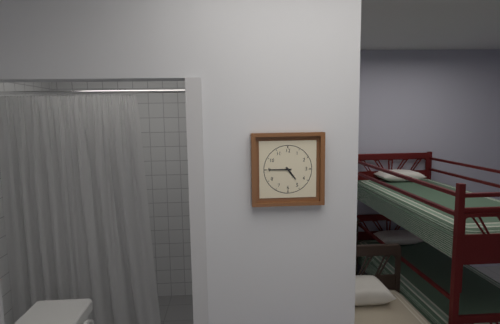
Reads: **4:45**
